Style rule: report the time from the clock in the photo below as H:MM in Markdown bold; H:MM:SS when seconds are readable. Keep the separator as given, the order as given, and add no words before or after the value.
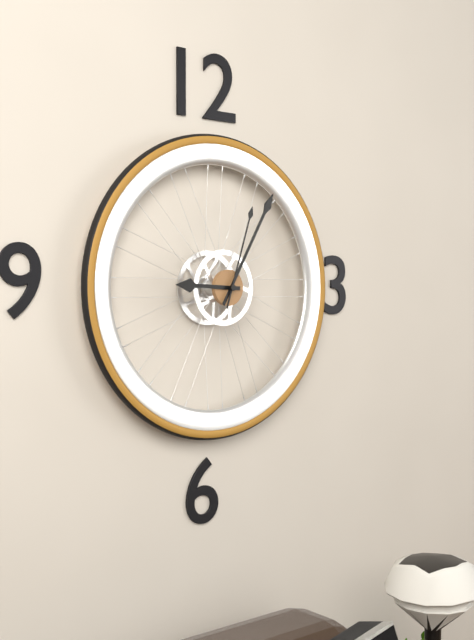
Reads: **9:05:03**
